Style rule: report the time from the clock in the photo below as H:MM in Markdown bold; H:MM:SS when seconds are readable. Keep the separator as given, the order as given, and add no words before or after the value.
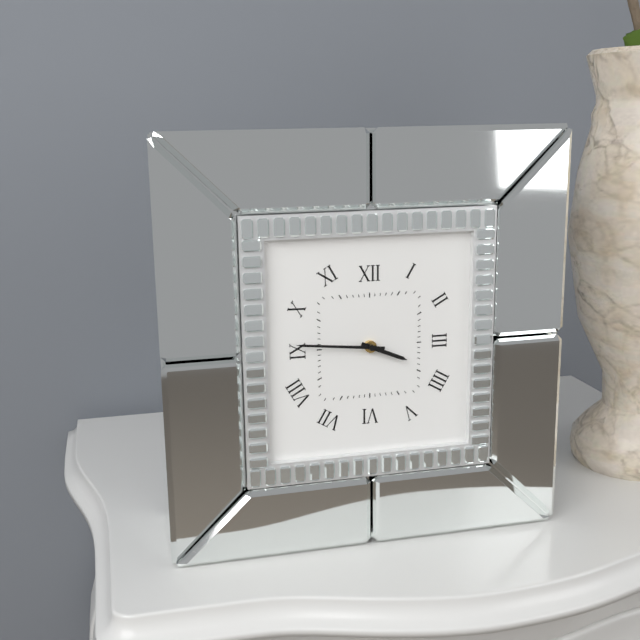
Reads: **3:46**
